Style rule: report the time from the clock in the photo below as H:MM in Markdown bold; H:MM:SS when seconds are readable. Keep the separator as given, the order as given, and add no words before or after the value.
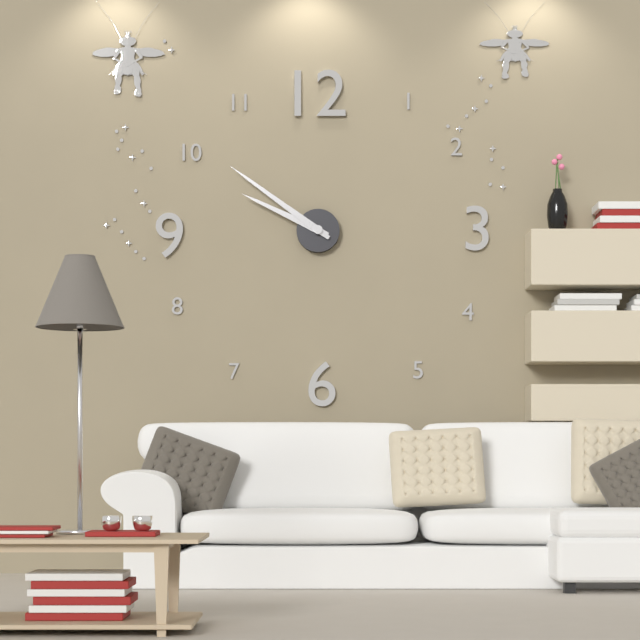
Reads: **9:51**
